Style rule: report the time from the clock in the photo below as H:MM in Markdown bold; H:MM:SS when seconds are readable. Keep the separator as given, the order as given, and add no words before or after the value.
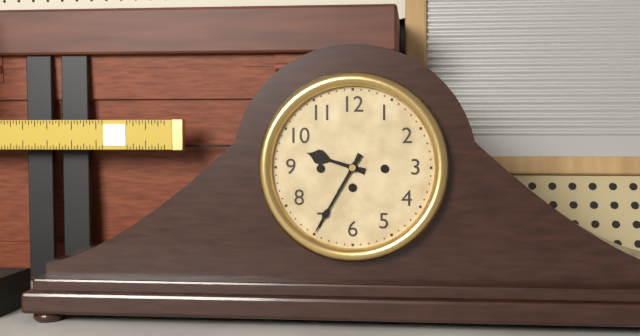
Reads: **9:35**
